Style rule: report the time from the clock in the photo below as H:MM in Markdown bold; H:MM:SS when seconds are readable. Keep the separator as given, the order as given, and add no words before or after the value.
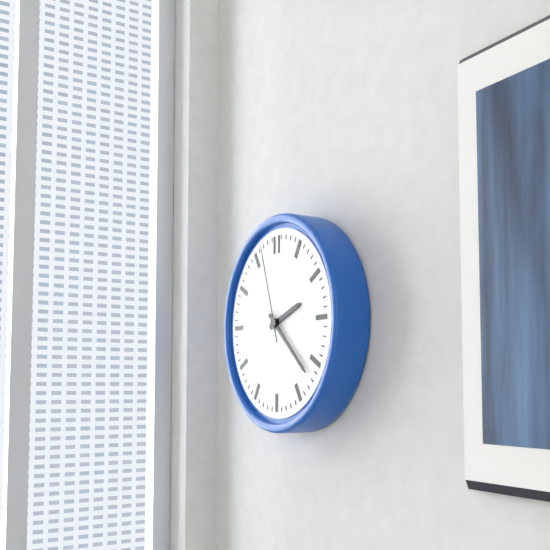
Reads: **2:22:57**
